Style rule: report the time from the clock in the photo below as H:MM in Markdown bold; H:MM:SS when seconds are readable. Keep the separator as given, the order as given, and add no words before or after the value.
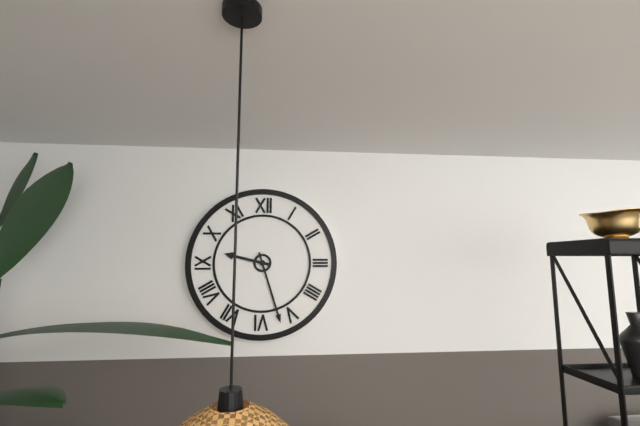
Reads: **9:27**
